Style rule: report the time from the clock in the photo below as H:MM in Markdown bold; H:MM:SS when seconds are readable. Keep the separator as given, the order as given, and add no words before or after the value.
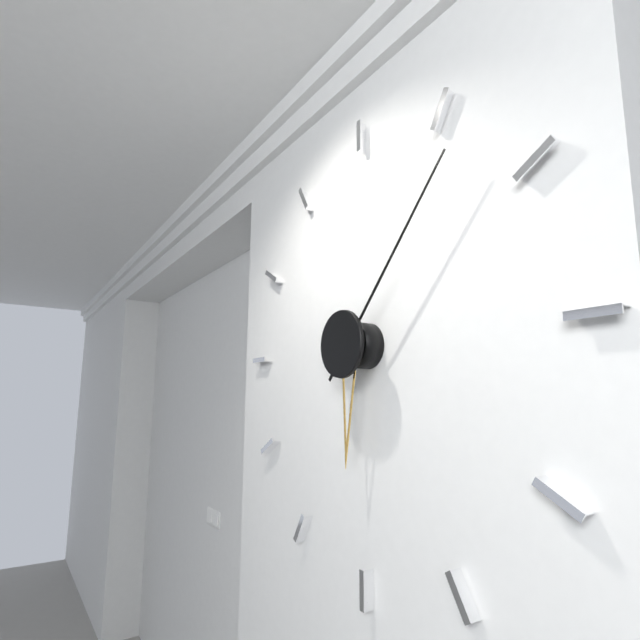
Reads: **6:07**
